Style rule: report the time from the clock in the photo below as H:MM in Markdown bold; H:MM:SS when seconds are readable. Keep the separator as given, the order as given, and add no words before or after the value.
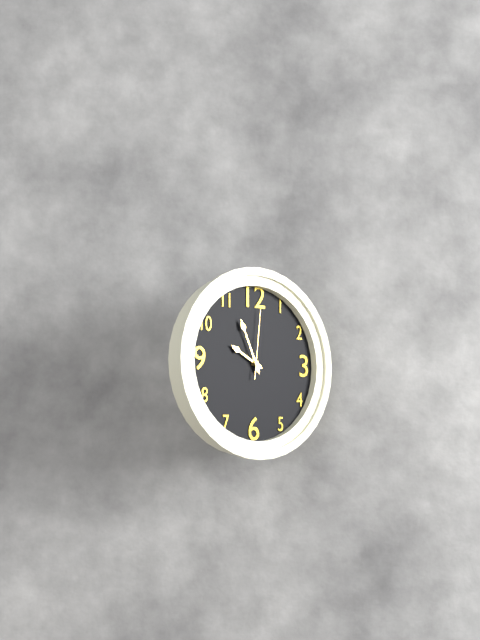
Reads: **9:56:01**
